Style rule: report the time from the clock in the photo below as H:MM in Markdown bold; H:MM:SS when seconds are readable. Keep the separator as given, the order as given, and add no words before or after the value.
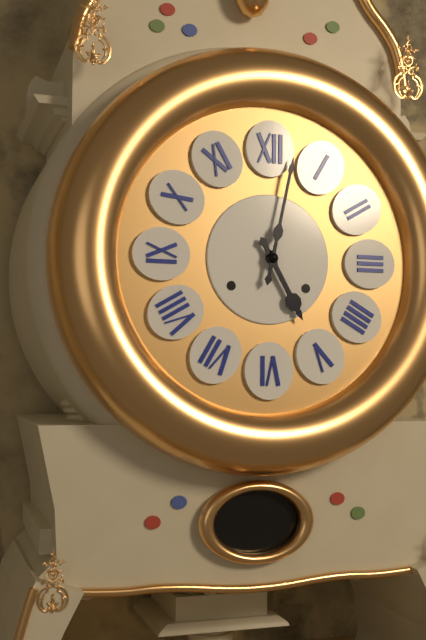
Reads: **5:02**
